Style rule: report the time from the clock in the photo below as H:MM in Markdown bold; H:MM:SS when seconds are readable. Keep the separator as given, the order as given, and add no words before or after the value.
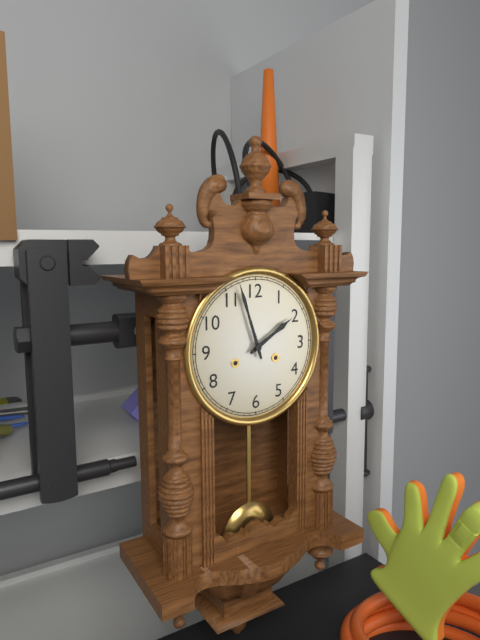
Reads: **1:57**
